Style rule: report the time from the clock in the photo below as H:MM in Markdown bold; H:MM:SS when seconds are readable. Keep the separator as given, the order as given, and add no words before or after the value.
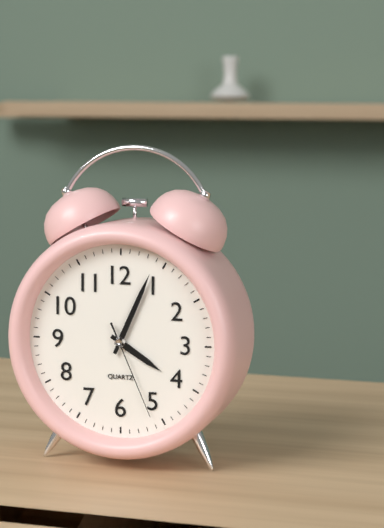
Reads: **4:04:26**
